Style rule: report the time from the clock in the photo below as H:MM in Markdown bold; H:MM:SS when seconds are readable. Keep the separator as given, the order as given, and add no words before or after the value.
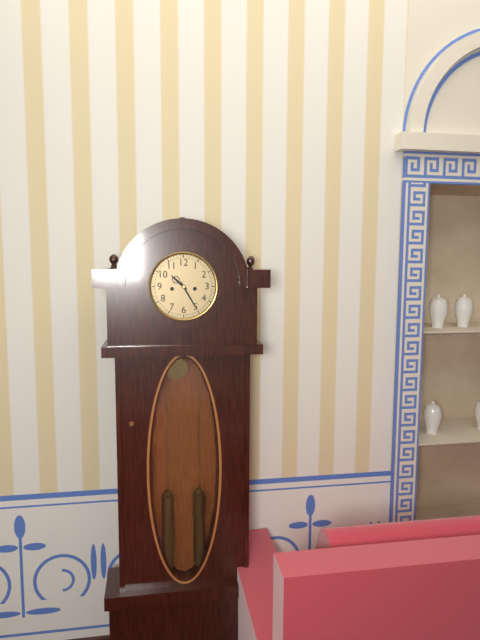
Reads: **10:25**
